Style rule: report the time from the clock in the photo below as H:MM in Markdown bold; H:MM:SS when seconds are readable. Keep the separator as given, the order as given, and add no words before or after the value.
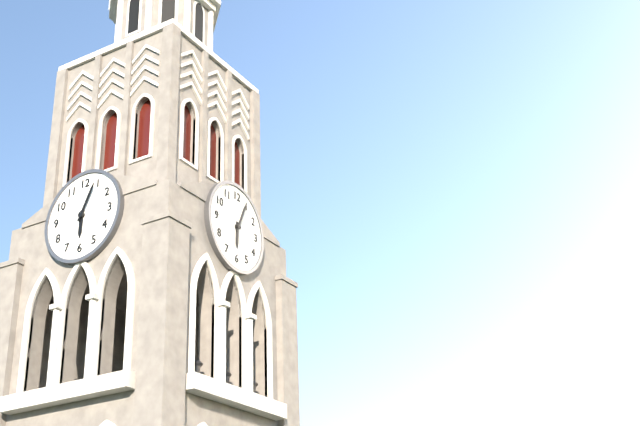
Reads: **6:04**
